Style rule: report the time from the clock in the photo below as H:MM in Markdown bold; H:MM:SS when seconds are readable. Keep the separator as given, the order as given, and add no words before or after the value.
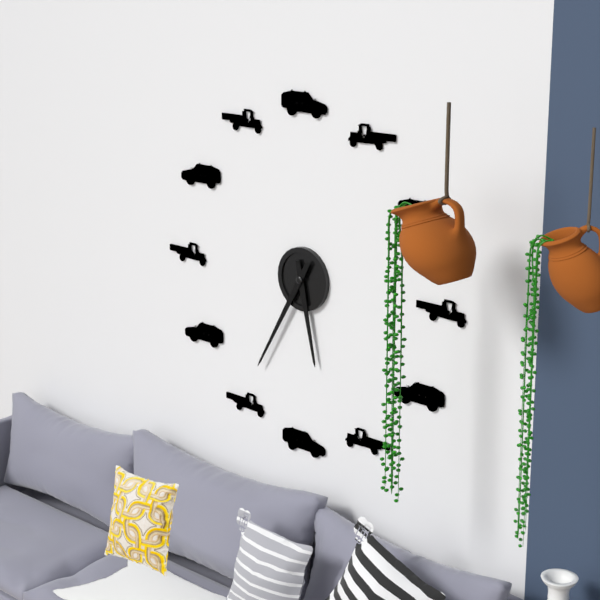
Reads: **5:35**
